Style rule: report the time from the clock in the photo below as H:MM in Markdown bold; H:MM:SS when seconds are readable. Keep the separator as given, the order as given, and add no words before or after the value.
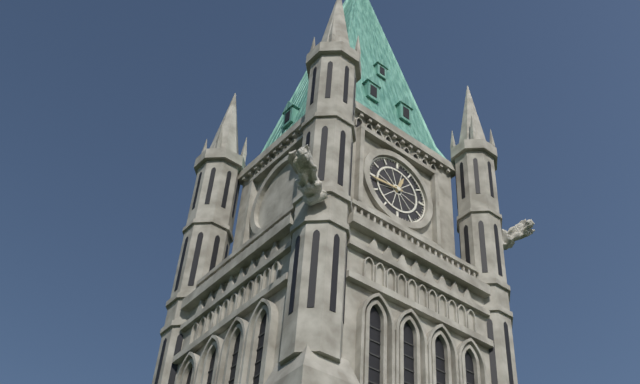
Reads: **12:44**
